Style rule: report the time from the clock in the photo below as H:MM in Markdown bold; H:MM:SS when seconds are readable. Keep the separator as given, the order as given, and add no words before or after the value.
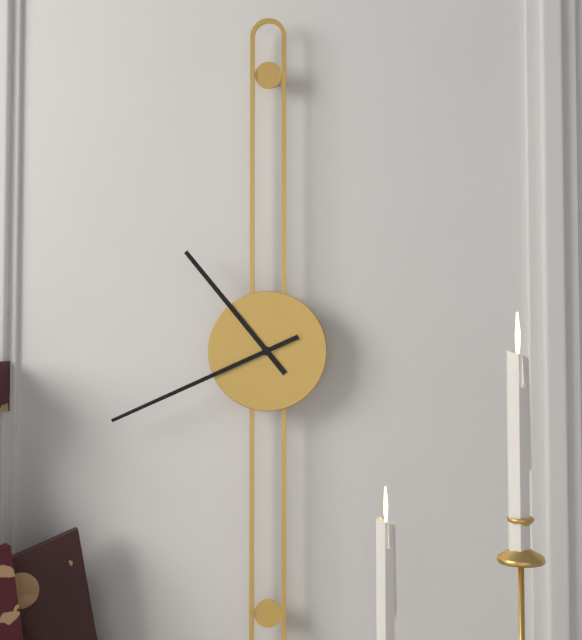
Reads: **10:41**
